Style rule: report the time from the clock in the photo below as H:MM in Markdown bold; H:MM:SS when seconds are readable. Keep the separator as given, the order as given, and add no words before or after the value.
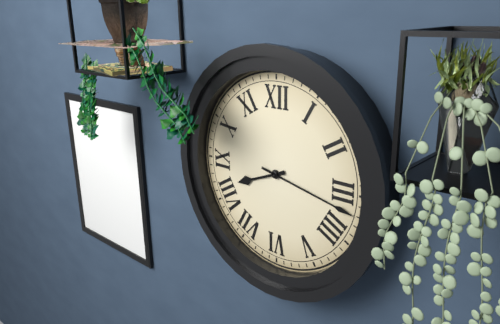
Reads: **8:17**
